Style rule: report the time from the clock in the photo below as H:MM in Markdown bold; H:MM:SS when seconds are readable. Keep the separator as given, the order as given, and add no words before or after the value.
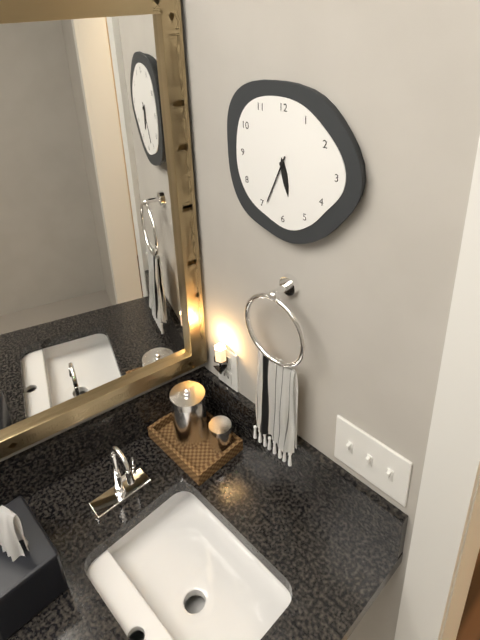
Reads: **5:34**
